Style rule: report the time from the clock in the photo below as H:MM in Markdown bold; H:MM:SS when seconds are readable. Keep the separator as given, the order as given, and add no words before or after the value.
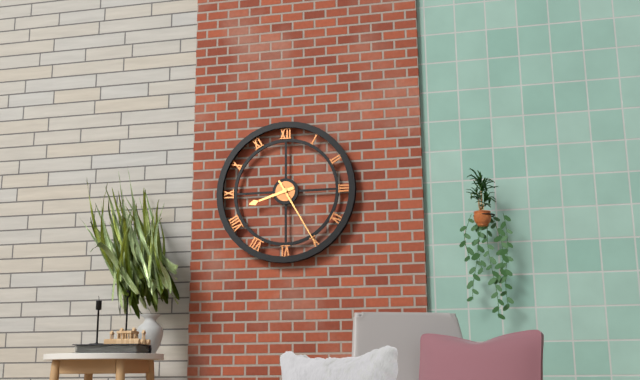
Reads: **8:25**
